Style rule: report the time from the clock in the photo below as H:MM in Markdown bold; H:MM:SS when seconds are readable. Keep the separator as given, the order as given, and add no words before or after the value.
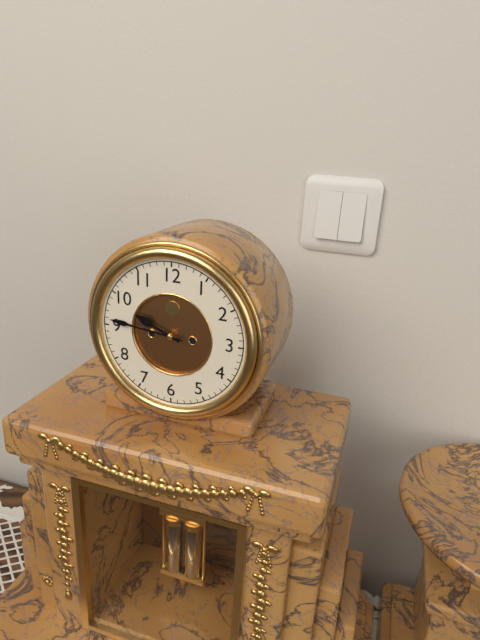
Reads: **9:46**
